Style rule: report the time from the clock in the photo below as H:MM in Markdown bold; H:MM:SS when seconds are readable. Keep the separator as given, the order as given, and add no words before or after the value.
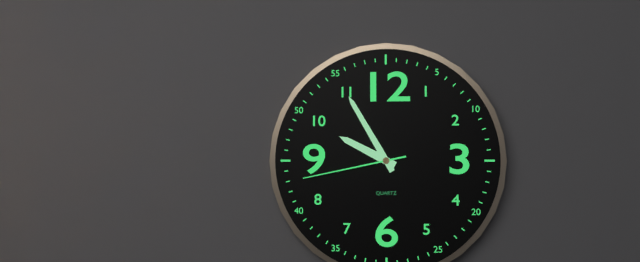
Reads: **9:55:43**
